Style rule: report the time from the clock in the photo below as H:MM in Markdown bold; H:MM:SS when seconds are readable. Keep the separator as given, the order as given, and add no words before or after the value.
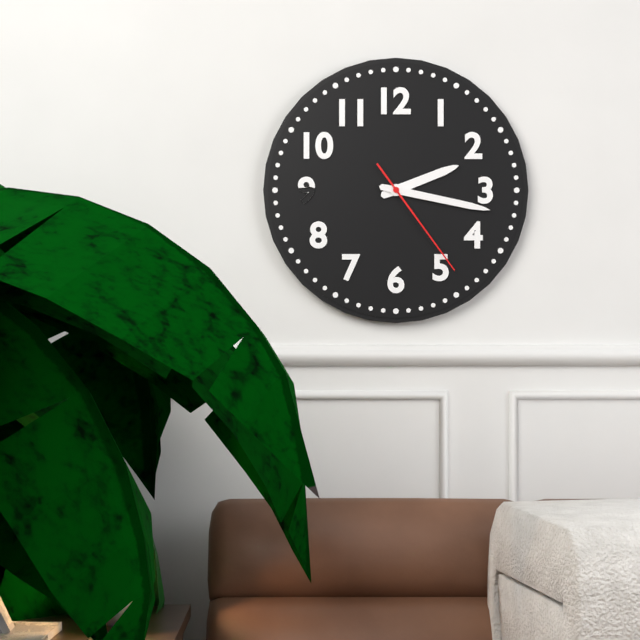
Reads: **2:17:24**
